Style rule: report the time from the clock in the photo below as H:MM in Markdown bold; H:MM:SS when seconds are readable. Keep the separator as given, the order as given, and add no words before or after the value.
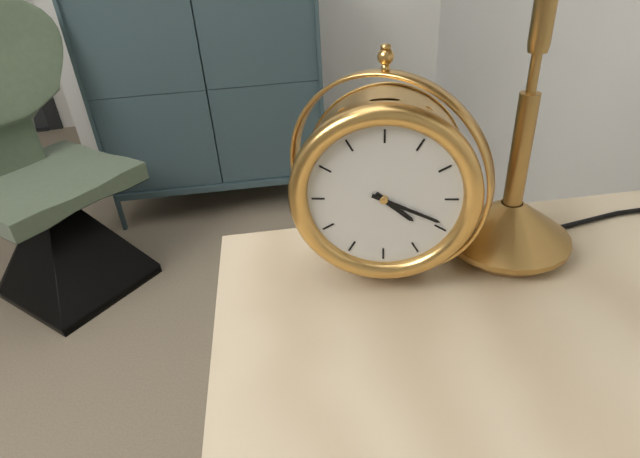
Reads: **4:19**
